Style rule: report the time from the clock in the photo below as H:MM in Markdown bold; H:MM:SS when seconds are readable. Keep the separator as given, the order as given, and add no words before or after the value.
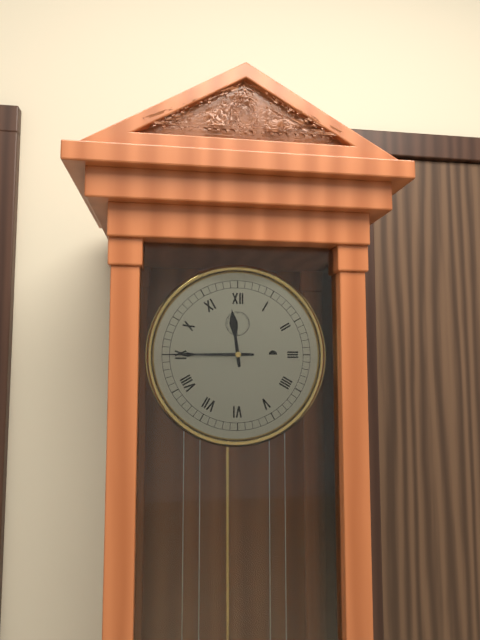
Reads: **11:45**
